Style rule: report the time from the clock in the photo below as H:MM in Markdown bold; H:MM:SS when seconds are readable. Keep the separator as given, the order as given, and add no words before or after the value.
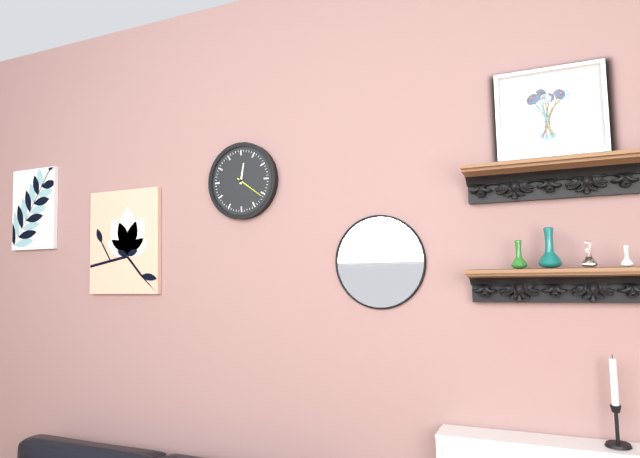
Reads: **12:21**
